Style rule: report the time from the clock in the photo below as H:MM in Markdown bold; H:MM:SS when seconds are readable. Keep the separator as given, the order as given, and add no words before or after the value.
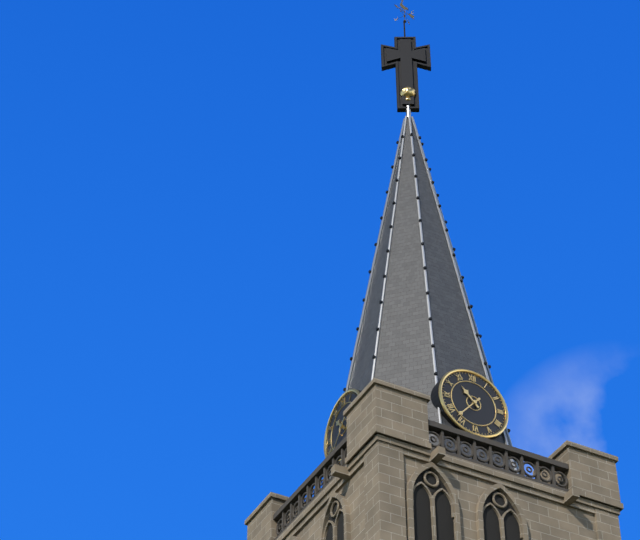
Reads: **10:37**
